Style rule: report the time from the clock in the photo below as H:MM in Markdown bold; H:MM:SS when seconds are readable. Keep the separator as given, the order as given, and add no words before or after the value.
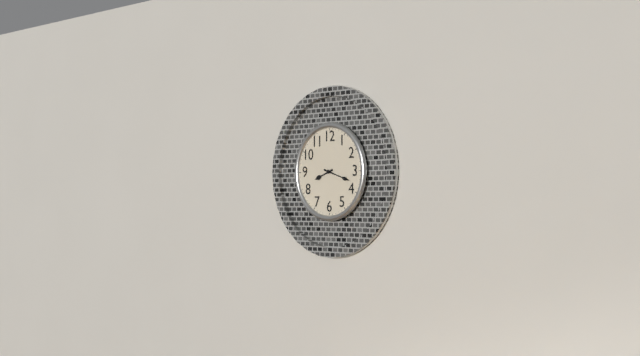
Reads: **8:18**
